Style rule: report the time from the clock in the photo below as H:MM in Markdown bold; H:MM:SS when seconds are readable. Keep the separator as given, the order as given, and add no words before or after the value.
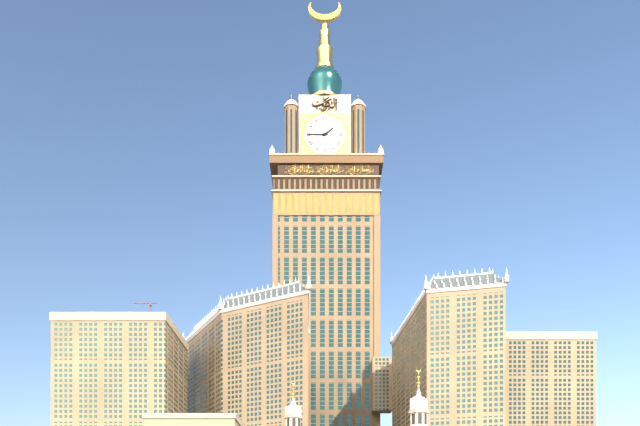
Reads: **1:45**
